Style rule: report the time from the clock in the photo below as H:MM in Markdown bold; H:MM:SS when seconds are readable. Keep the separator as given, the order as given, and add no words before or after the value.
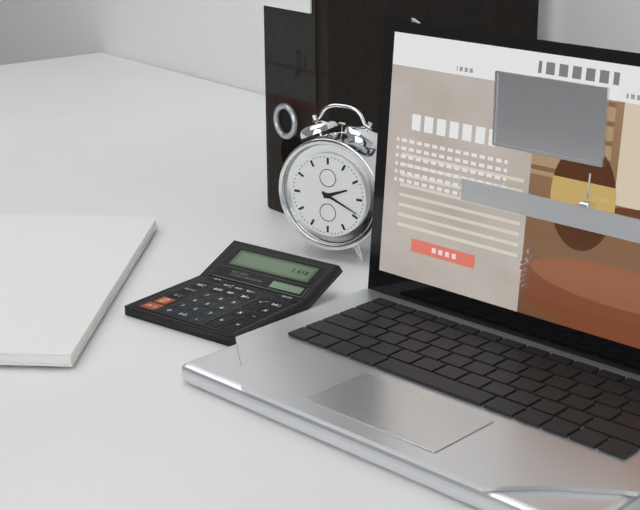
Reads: **2:19**
